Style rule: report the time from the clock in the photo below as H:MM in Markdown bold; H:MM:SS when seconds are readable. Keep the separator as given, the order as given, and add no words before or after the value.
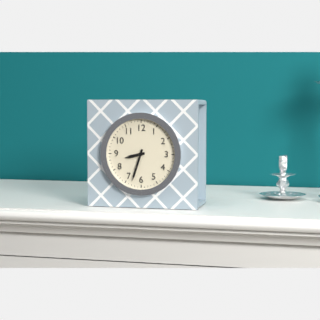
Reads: **8:33**
